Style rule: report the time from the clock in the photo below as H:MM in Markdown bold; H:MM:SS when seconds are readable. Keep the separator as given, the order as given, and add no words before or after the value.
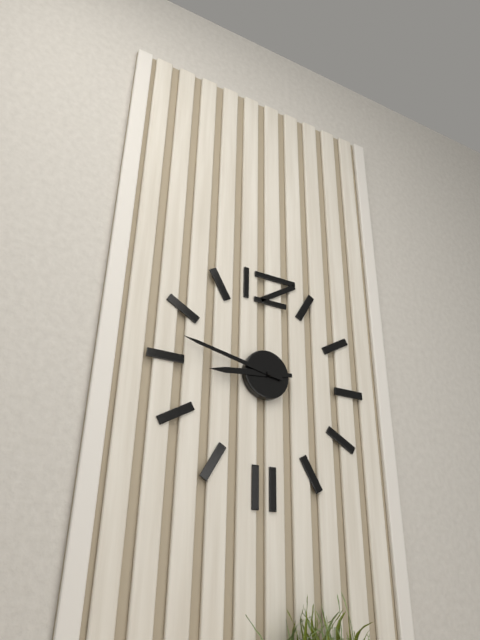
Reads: **8:47**
